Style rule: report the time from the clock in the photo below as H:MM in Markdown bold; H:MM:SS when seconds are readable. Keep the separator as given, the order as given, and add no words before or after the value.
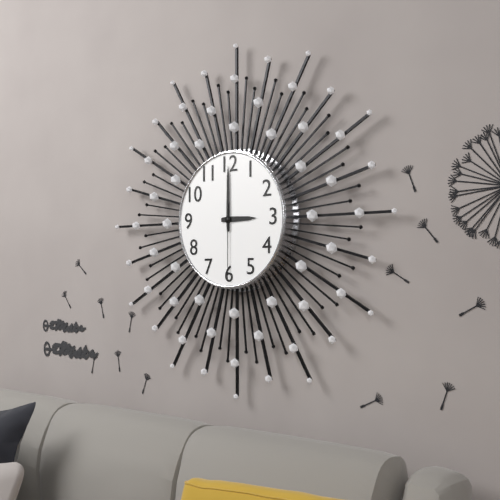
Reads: **3:00:30**
